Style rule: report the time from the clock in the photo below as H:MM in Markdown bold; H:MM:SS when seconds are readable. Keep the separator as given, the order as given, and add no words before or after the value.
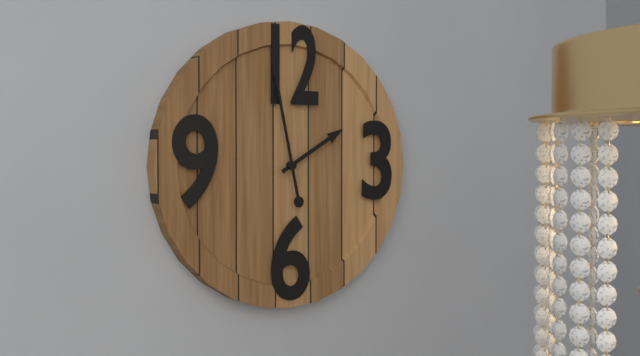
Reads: **1:58**
